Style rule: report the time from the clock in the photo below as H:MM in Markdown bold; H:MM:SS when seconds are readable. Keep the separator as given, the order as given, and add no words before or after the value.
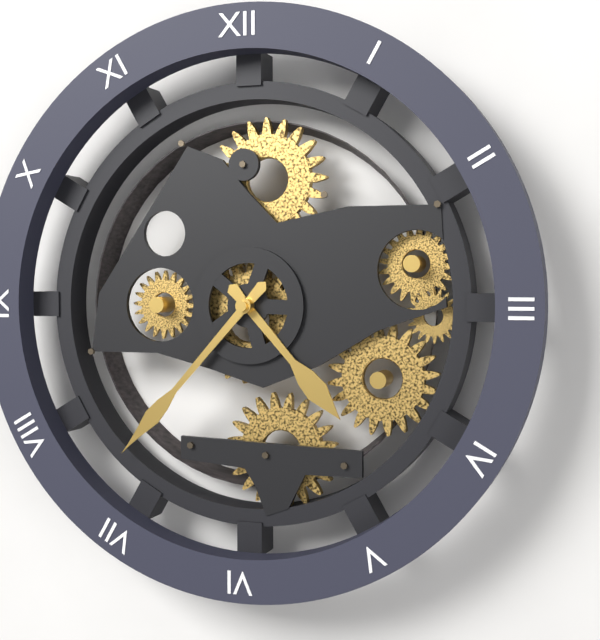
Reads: **4:37**
